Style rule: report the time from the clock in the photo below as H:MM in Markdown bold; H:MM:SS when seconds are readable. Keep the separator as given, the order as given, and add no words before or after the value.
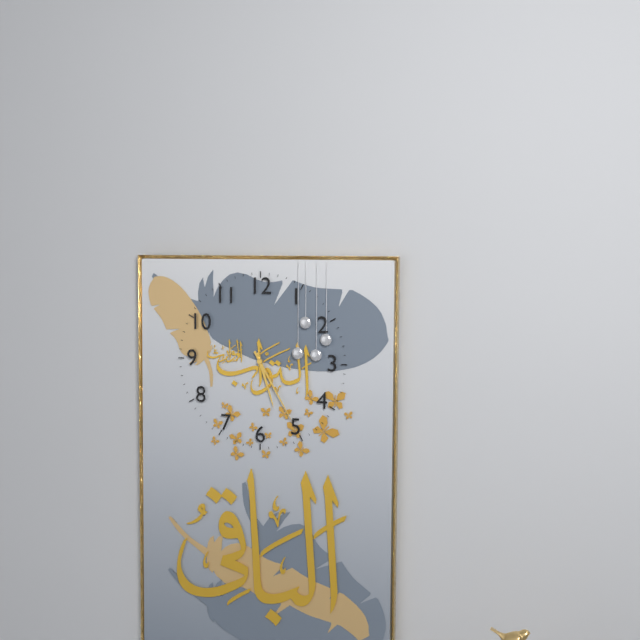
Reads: **5:25**
